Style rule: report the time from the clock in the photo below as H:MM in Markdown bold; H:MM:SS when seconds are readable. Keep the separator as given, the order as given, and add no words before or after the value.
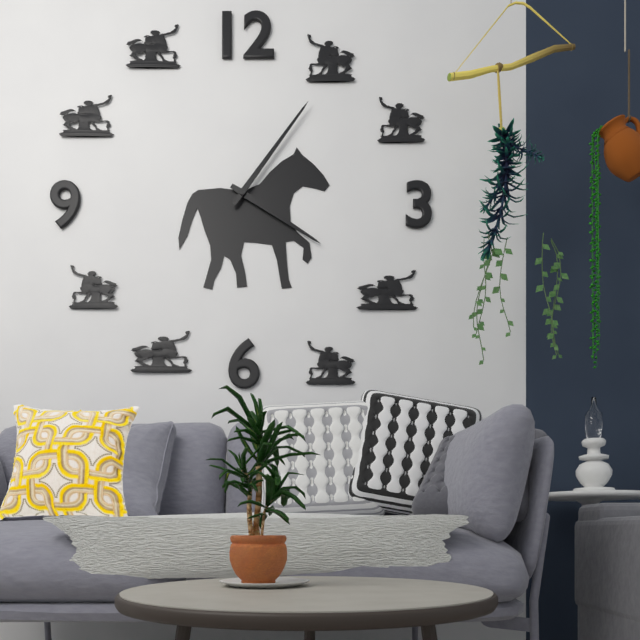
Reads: **4:06**
